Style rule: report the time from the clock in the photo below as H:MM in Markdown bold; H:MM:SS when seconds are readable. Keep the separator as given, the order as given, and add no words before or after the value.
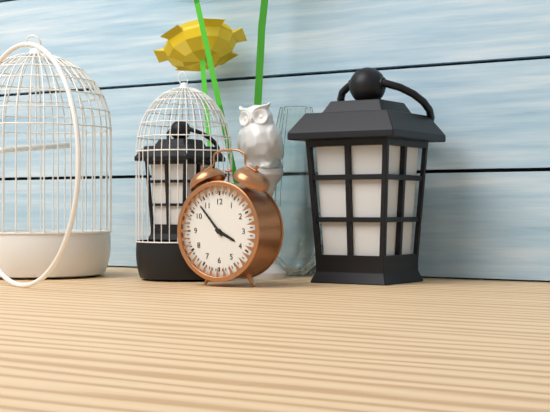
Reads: **3:53**
